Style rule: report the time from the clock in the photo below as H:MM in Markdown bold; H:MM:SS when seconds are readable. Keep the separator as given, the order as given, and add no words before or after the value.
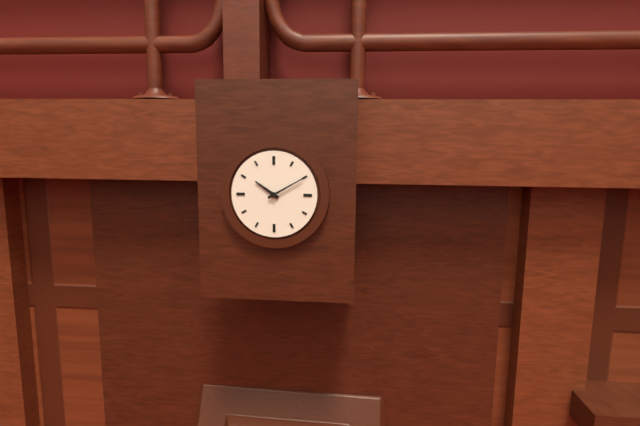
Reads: **10:10**
